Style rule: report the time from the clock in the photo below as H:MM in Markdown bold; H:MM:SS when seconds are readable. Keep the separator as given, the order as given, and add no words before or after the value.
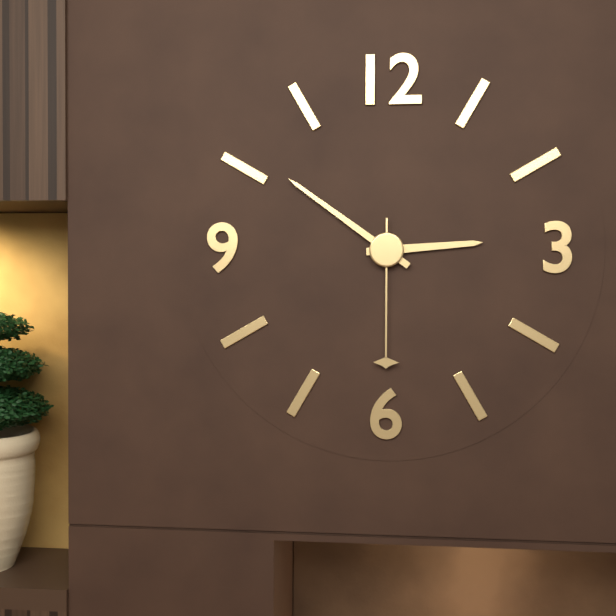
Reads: **2:51:30**
